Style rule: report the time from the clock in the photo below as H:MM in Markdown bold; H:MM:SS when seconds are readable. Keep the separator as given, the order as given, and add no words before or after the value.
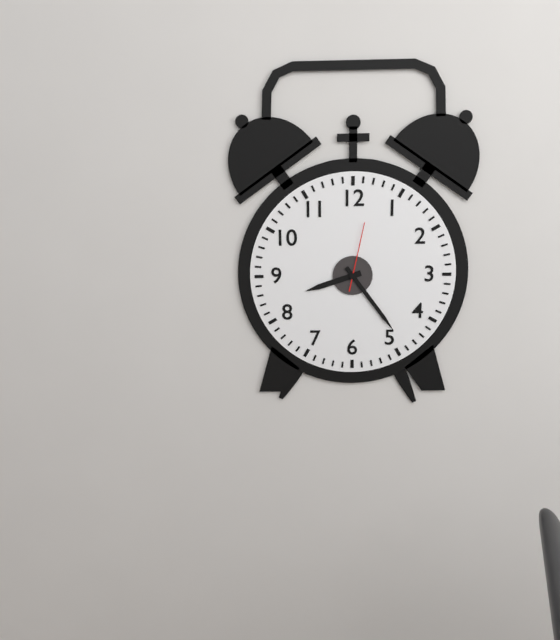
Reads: **8:24:02**
